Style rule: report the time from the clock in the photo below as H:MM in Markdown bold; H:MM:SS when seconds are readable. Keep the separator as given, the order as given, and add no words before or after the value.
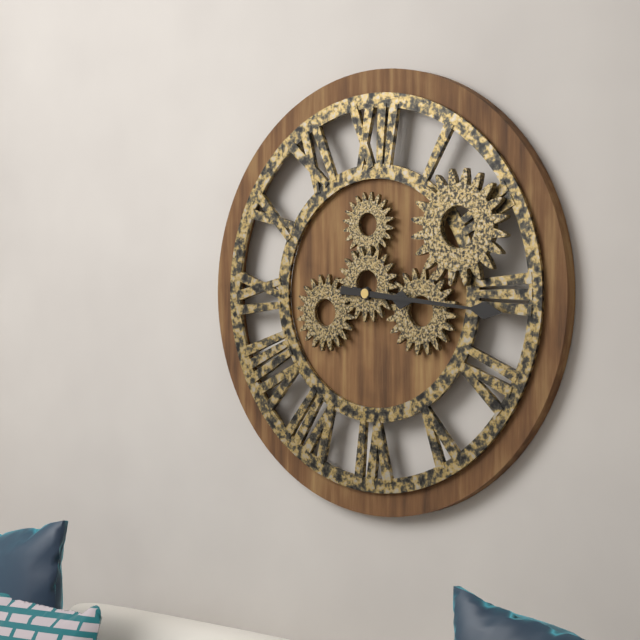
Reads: **3:16**
